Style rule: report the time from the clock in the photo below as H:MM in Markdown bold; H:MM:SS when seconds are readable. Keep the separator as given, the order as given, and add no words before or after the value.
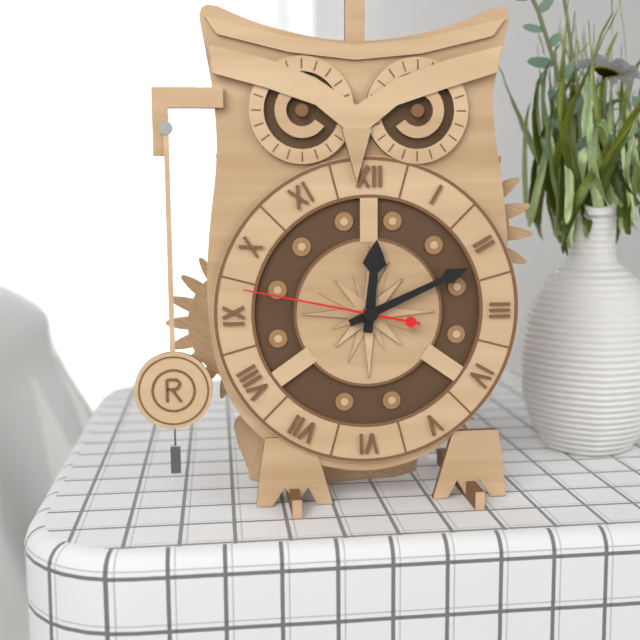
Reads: **12:11:47**
